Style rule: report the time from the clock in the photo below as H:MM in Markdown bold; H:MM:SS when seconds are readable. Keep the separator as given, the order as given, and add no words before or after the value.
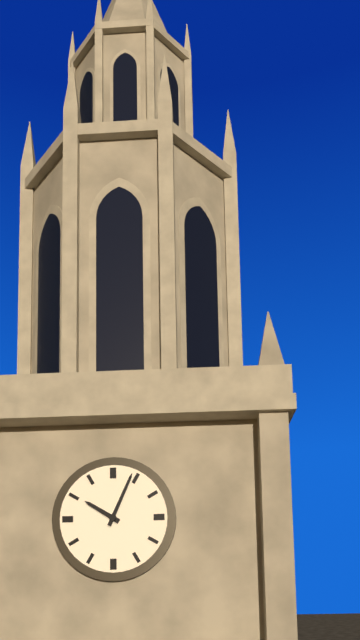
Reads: **10:04**
